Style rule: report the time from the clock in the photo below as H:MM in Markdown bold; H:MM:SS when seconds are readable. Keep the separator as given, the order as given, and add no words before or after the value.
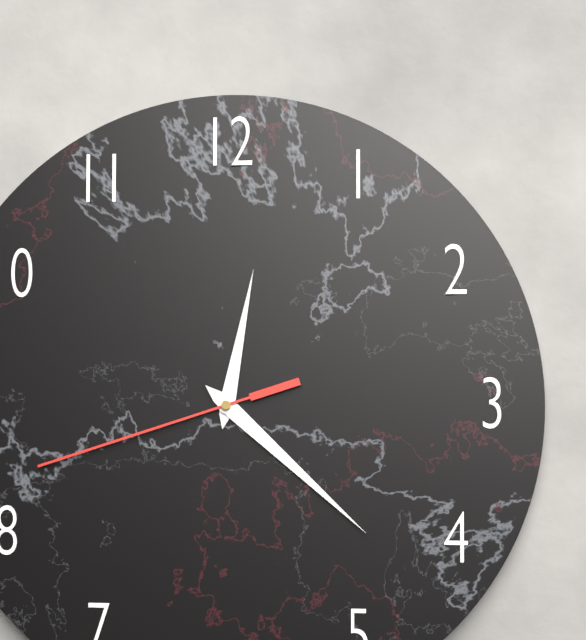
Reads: **12:22:42**
